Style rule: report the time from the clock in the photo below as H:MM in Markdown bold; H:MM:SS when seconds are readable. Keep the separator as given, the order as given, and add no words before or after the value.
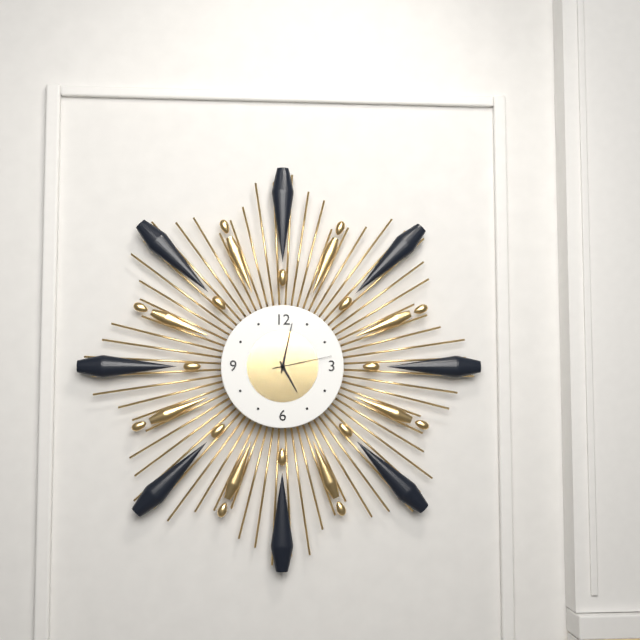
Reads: **5:02:13**
